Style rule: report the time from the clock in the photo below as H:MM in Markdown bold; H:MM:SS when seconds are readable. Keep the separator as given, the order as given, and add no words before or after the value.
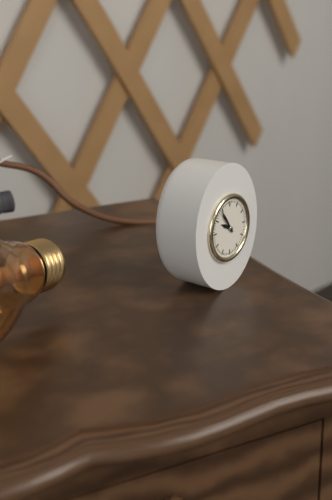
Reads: **9:54**
